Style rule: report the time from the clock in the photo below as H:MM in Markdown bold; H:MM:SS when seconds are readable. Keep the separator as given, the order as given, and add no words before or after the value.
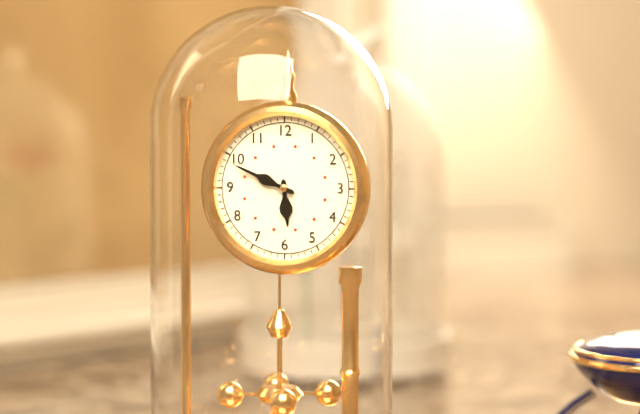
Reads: **5:49**
